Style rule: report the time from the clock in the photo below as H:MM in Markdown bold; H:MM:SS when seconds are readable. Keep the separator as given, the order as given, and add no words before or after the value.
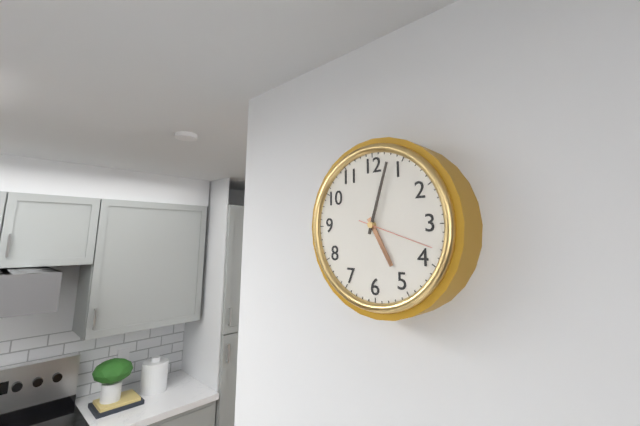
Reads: **5:03:18**
